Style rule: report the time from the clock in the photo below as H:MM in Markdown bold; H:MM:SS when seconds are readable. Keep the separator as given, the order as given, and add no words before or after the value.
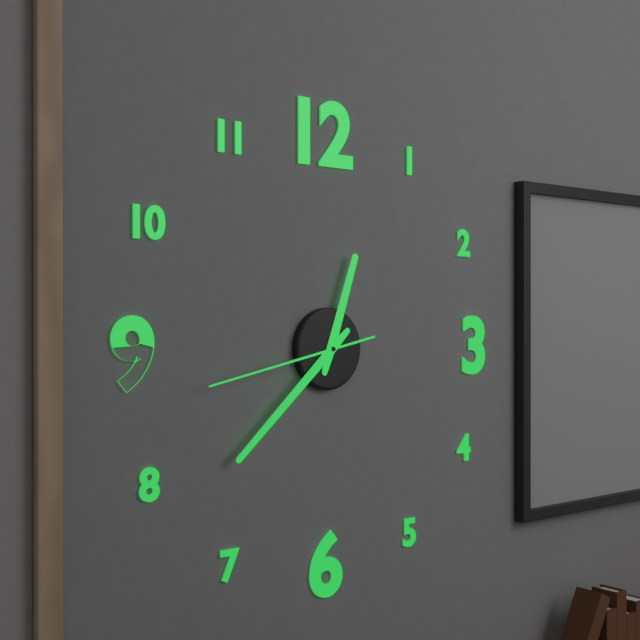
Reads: **12:38:43**
